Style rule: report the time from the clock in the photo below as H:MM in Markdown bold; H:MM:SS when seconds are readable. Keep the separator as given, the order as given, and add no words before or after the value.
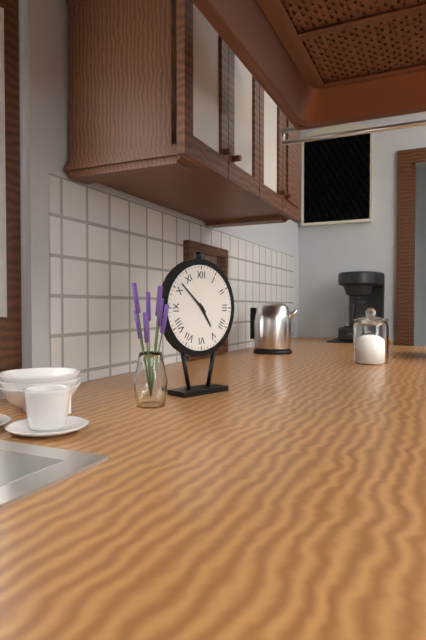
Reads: **4:52**
